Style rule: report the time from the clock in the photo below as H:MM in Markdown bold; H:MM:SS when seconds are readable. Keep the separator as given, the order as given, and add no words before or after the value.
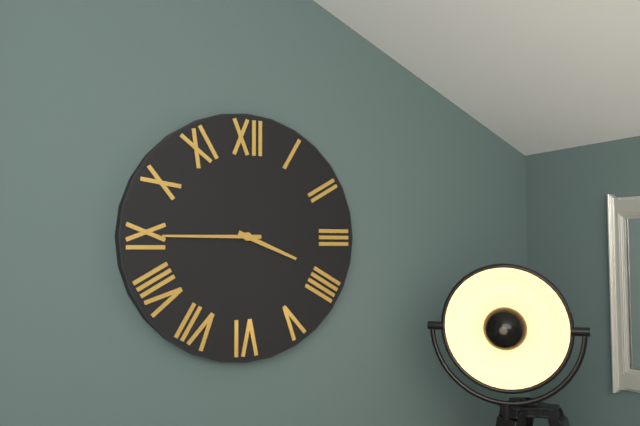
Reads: **3:45**
